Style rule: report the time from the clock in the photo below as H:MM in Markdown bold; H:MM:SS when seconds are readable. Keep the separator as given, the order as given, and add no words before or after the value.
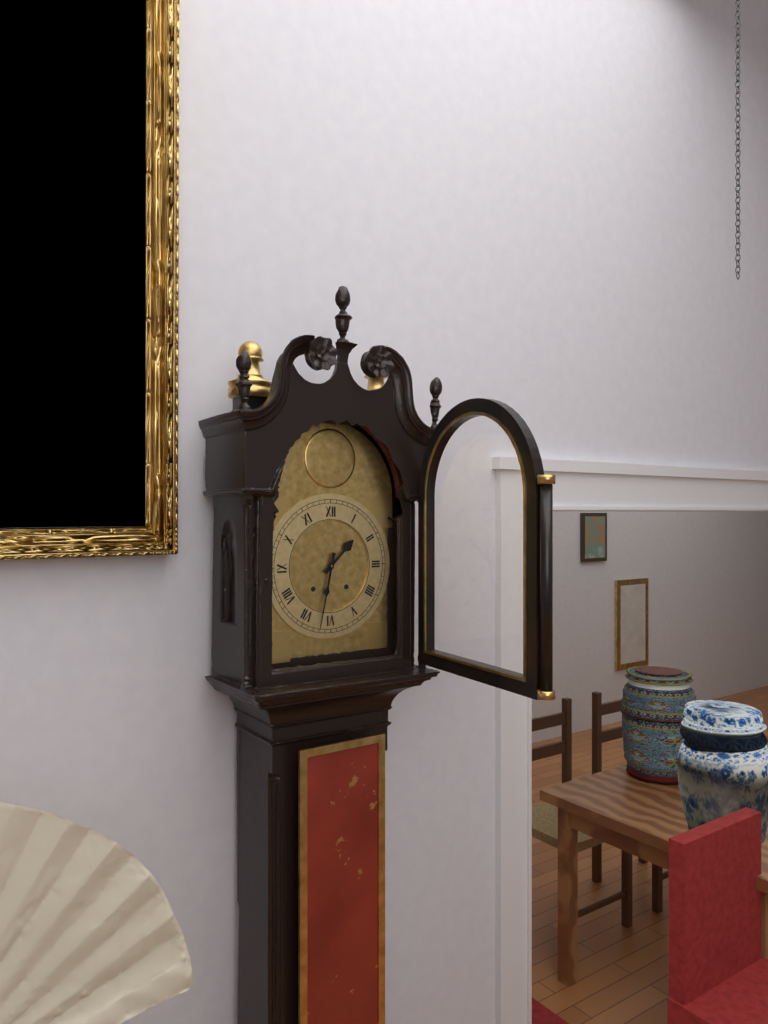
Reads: **1:32**
